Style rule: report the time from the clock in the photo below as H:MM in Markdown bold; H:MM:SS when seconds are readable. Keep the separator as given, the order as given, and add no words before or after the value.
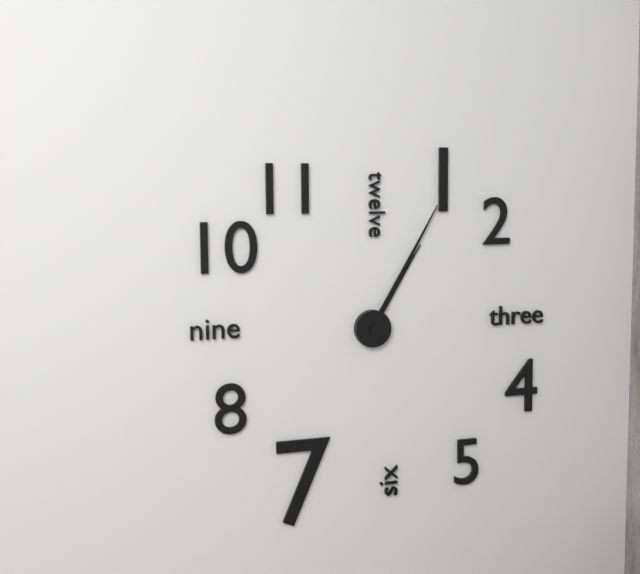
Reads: **1:05**
